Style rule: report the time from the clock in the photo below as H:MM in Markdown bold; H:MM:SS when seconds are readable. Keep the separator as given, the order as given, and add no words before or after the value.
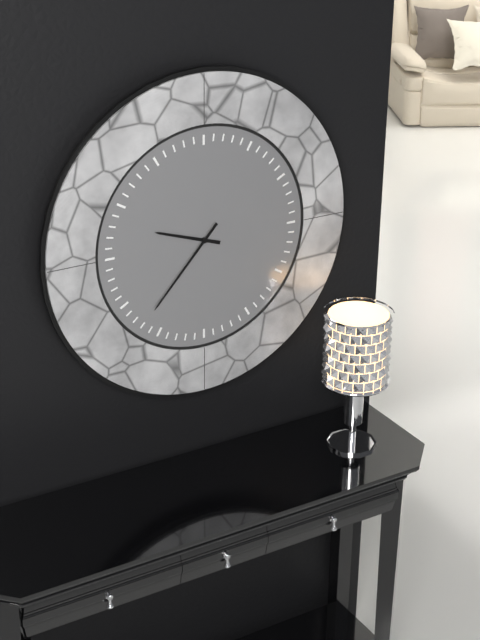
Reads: **9:37**
